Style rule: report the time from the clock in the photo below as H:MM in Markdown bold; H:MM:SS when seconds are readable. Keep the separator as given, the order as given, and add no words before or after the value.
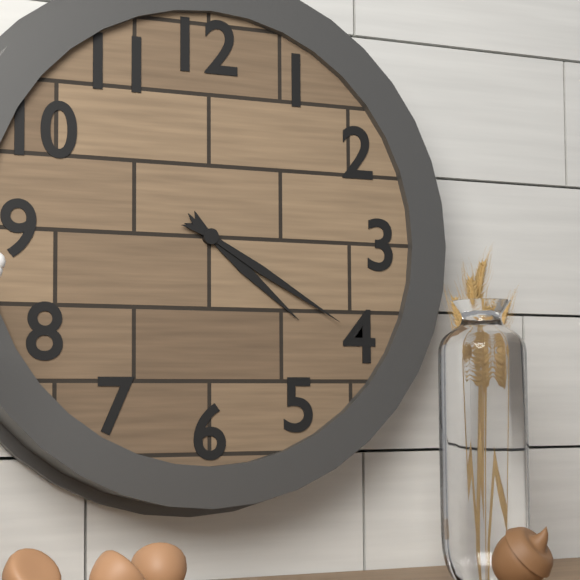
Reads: **4:20**
